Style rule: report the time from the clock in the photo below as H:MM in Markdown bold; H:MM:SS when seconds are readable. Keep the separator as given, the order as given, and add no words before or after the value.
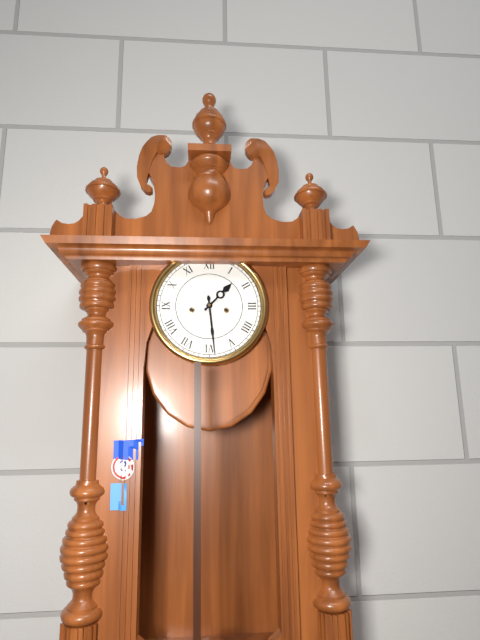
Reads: **1:29**
